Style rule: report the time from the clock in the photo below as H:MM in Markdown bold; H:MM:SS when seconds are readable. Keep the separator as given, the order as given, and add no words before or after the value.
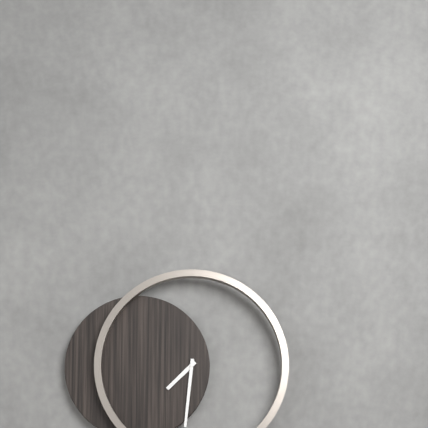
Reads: **7:31**
